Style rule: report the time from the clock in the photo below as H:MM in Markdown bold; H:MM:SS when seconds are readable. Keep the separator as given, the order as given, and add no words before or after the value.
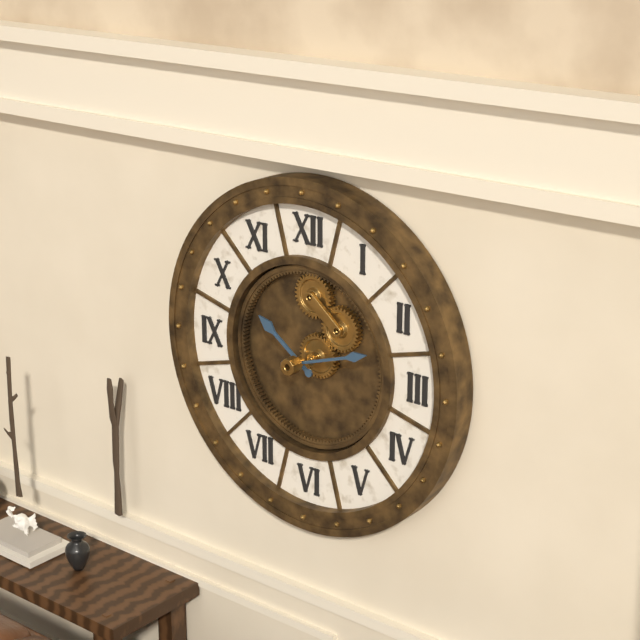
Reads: **10:12**
